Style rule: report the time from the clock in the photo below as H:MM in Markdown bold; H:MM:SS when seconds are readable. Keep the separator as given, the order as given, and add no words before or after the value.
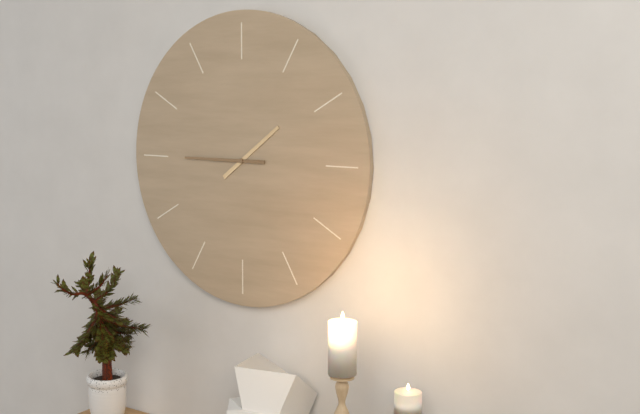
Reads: **1:45**
